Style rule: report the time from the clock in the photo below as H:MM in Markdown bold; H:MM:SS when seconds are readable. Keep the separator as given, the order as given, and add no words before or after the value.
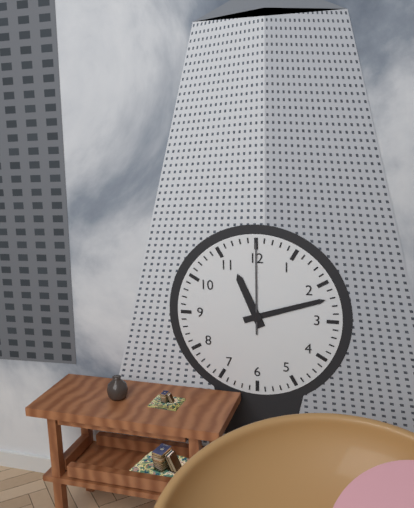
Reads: **11:12:00**
